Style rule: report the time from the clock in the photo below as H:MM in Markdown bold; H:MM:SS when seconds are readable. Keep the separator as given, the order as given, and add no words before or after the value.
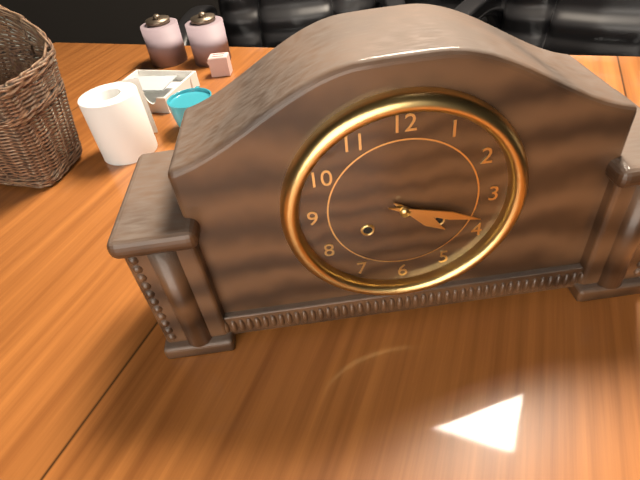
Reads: **4:18**
